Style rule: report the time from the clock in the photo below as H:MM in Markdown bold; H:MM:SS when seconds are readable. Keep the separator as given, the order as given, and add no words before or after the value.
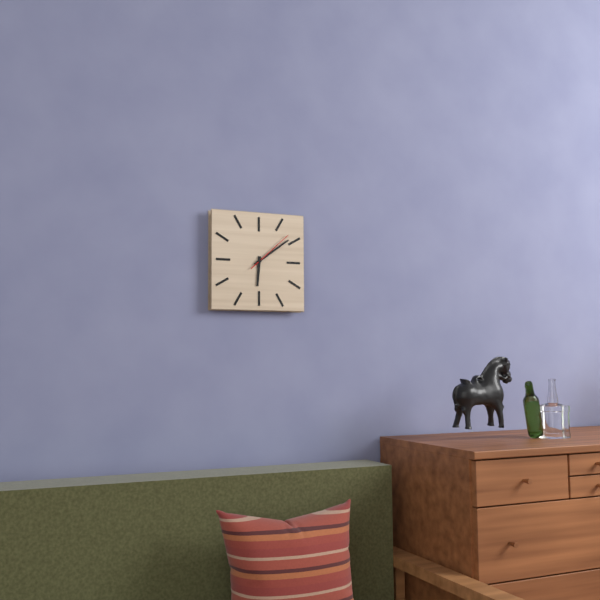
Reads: **6:09**
